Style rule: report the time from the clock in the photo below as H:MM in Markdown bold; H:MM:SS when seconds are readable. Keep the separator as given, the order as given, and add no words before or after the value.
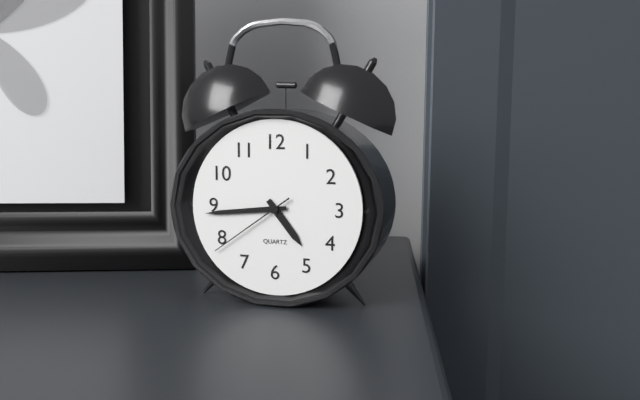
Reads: **4:44:39**
